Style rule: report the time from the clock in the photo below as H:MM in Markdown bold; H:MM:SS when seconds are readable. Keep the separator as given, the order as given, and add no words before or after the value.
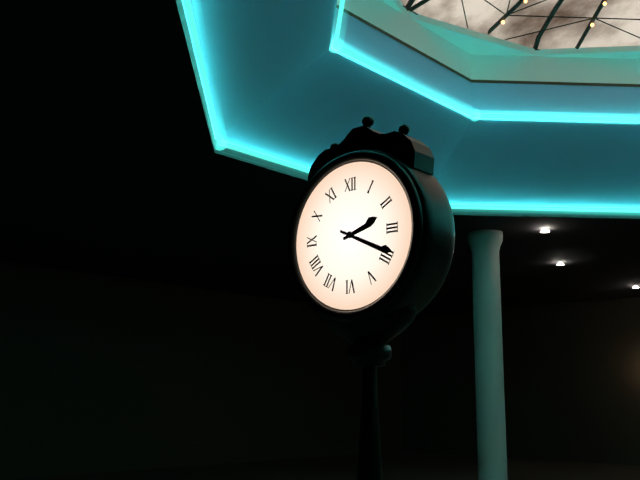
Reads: **2:19**
